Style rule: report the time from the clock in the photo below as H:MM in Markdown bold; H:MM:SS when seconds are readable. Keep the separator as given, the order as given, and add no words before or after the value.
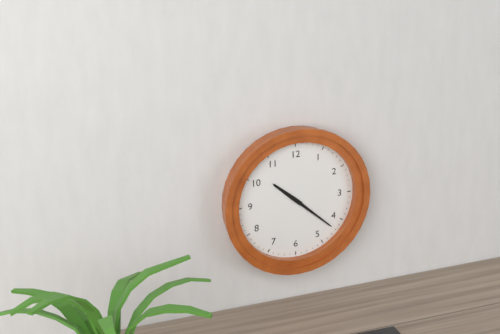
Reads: **10:22**
